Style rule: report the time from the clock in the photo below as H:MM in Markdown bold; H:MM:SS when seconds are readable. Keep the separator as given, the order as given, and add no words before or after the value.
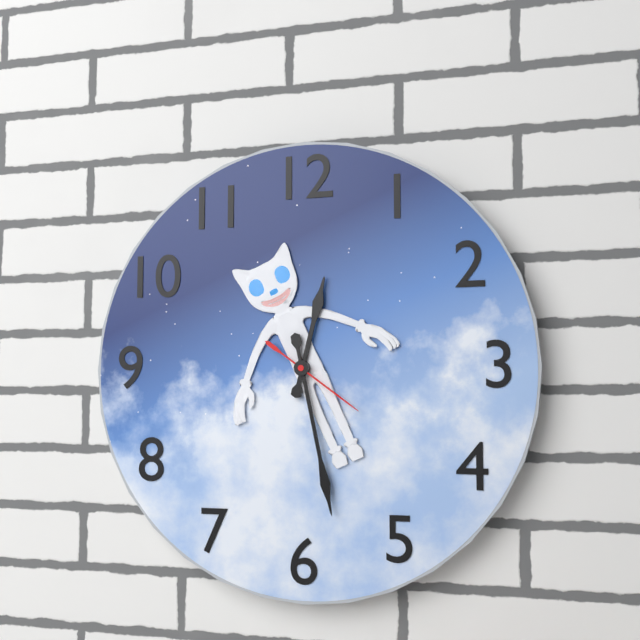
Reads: **12:28:21**
